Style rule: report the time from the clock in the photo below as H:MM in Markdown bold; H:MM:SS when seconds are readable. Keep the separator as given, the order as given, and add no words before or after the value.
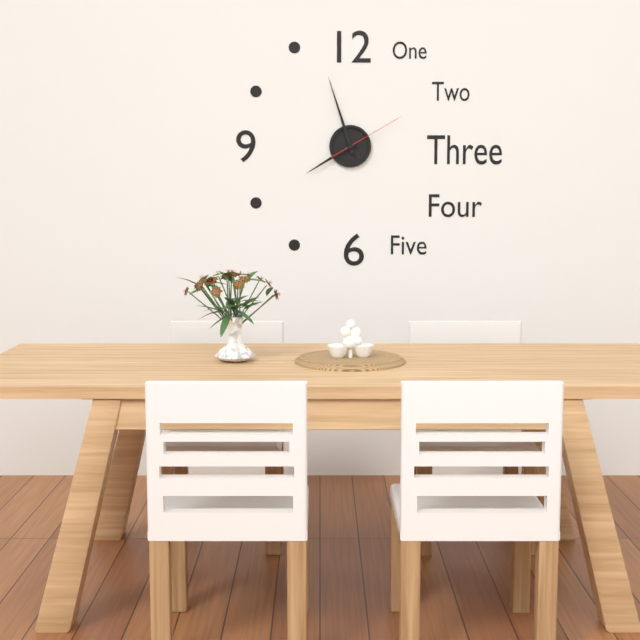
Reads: **7:57:10**
